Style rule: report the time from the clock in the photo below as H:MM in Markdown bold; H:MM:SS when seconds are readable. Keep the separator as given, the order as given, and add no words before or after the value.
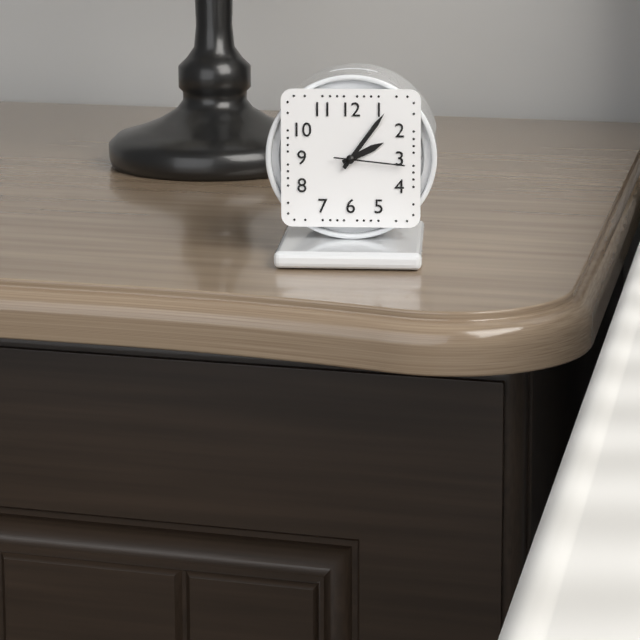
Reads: **2:06:16**
